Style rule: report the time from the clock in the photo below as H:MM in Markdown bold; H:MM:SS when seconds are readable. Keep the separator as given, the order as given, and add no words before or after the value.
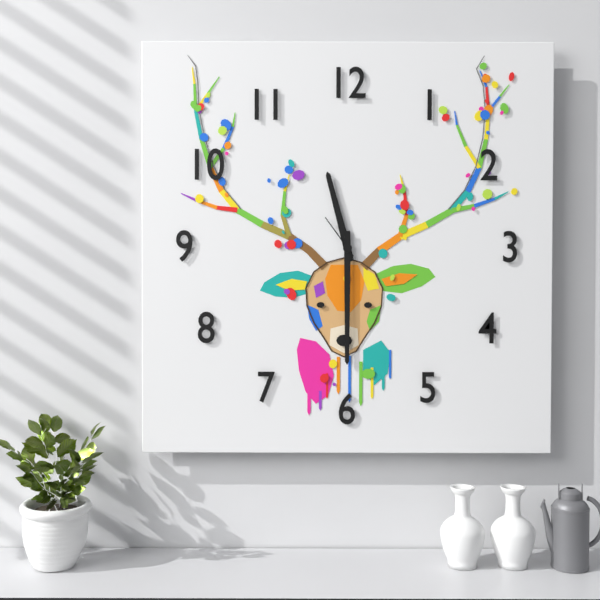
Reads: **11:30**
